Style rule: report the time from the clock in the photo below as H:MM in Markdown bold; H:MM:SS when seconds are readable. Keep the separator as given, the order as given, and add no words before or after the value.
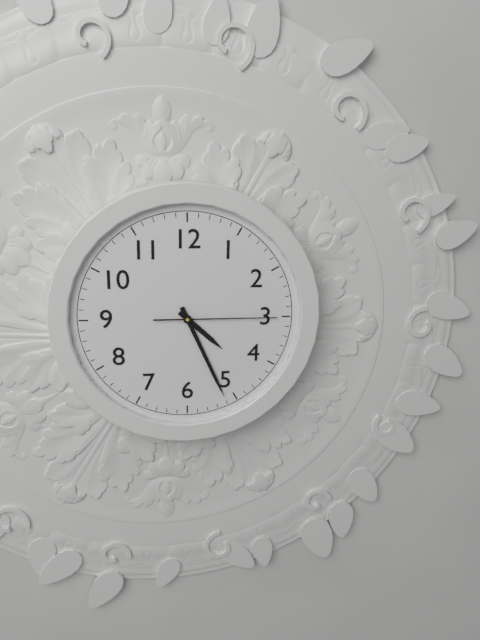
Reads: **4:26:15**
